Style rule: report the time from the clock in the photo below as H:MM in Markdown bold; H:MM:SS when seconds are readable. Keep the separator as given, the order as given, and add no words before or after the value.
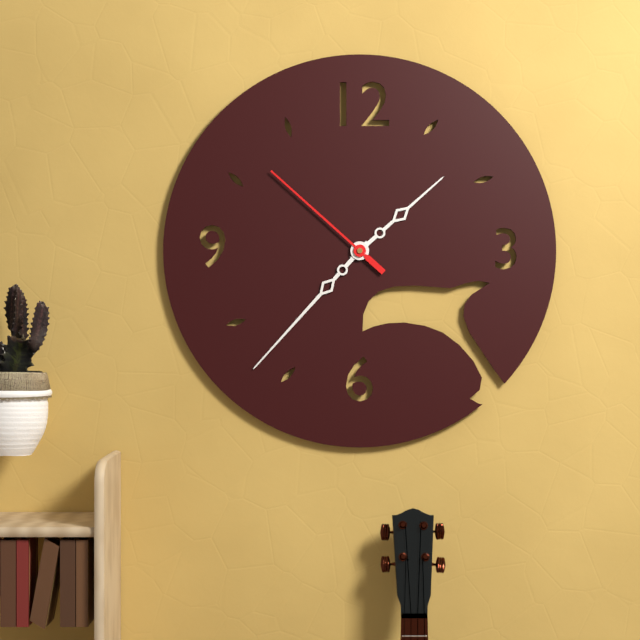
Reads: **1:37:52**
